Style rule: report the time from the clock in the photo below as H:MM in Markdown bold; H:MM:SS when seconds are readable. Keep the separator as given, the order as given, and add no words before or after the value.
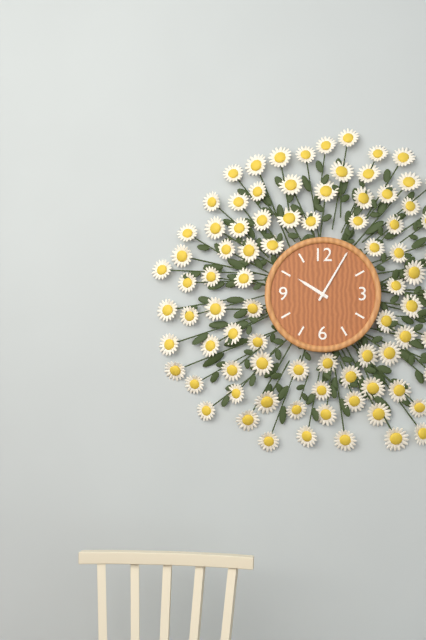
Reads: **10:05**
